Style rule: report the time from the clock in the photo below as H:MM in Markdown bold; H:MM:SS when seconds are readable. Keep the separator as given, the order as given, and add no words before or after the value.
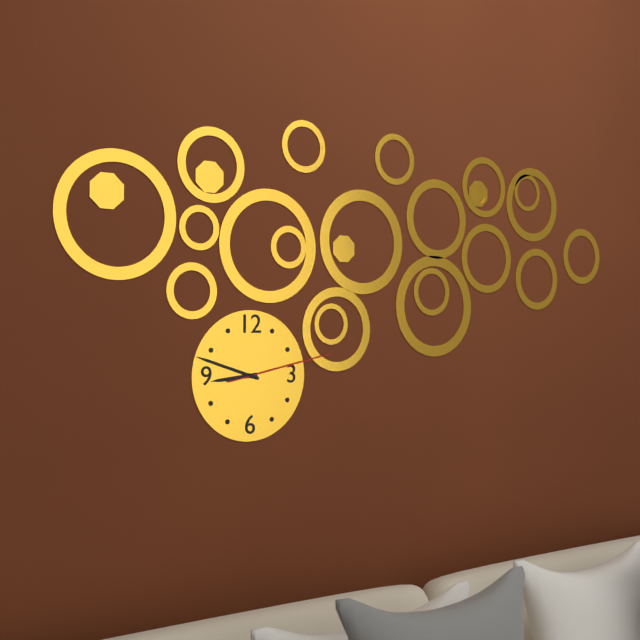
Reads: **8:48:13**
